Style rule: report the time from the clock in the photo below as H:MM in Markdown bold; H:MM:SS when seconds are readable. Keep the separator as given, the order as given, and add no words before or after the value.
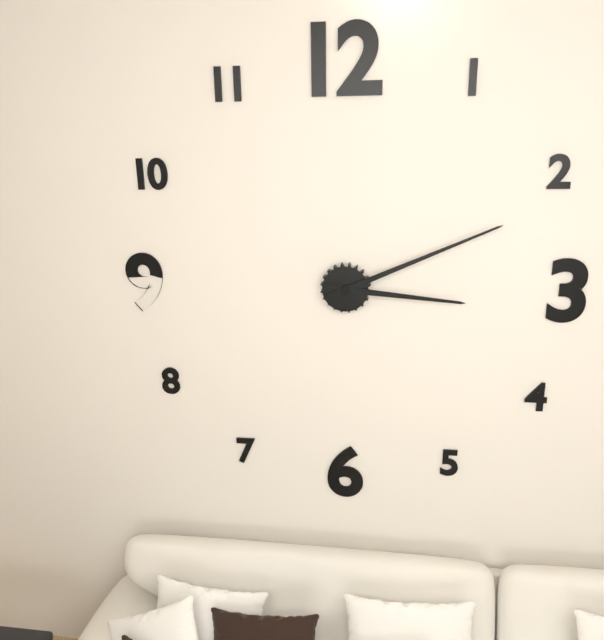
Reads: **3:11**
